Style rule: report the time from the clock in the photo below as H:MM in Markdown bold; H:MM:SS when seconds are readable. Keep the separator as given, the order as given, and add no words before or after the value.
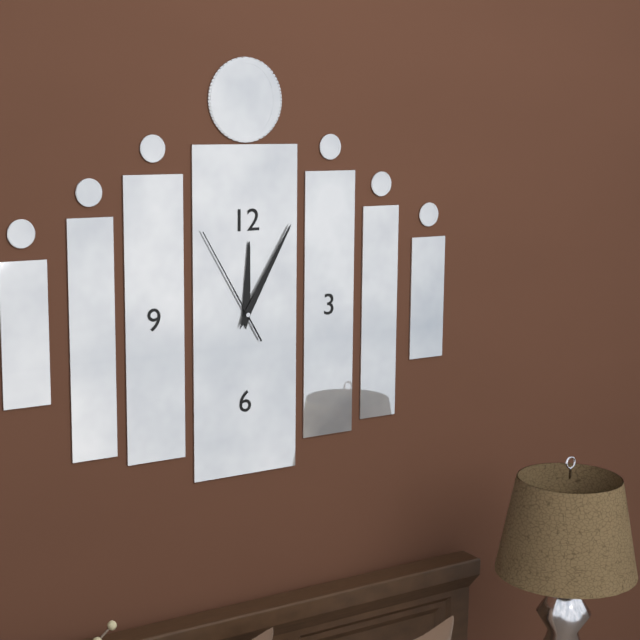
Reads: **12:05:55**
